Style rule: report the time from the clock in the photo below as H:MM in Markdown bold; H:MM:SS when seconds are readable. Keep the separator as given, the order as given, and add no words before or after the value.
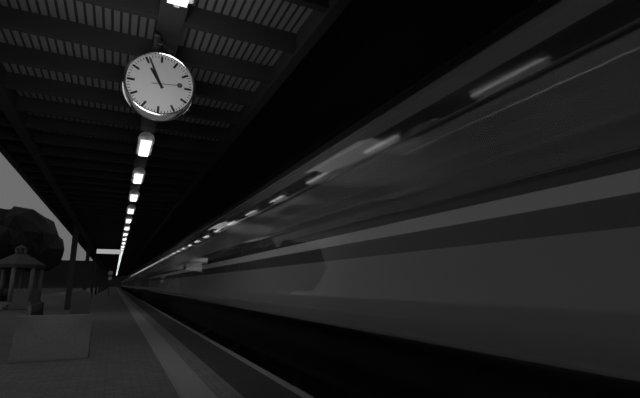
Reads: **10:56**
